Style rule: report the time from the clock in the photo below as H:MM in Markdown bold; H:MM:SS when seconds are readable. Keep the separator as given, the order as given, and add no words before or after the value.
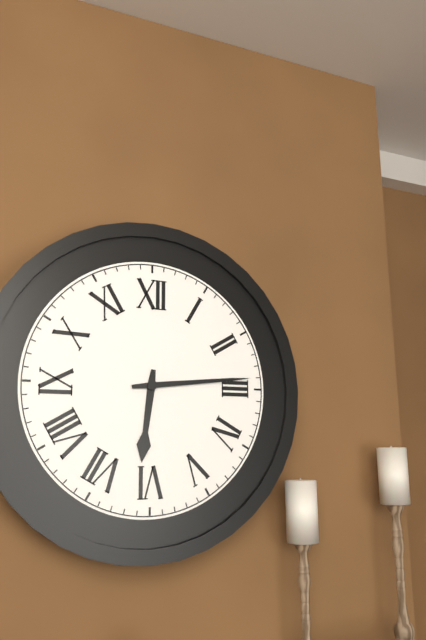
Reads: **6:14**
